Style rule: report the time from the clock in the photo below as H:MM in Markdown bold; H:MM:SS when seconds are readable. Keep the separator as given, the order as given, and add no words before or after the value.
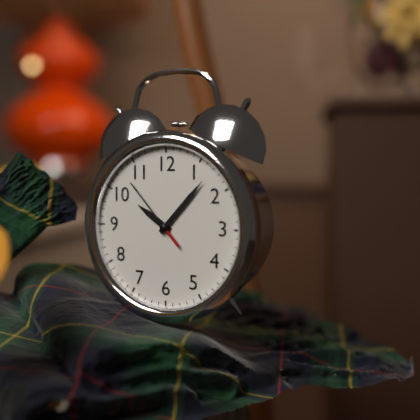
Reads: **10:07:53**
